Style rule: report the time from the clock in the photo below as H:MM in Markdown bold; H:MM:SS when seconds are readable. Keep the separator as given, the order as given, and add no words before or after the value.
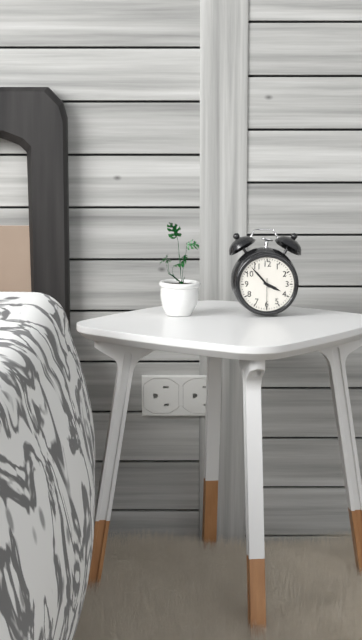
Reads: **3:53**
